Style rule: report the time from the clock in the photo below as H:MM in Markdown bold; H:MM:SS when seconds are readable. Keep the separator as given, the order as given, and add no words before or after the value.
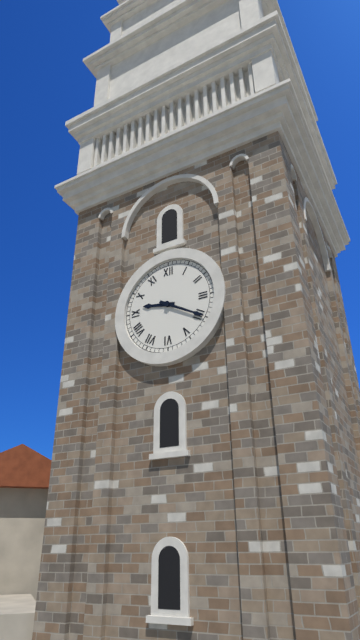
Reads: **9:20**
